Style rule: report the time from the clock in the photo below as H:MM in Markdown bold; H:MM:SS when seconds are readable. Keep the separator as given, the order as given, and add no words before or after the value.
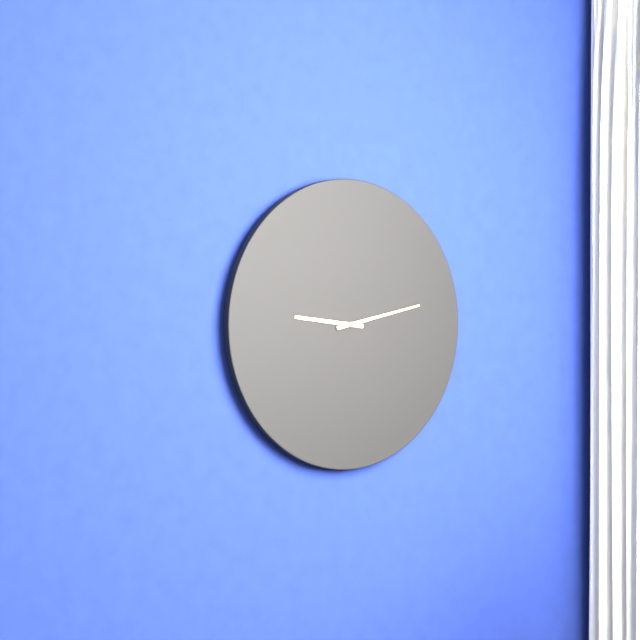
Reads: **9:13**
